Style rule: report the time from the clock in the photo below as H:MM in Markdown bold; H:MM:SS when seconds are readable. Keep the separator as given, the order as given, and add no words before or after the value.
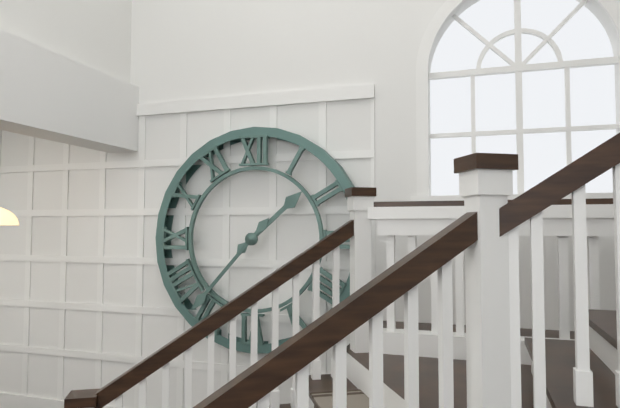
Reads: **1:37**
